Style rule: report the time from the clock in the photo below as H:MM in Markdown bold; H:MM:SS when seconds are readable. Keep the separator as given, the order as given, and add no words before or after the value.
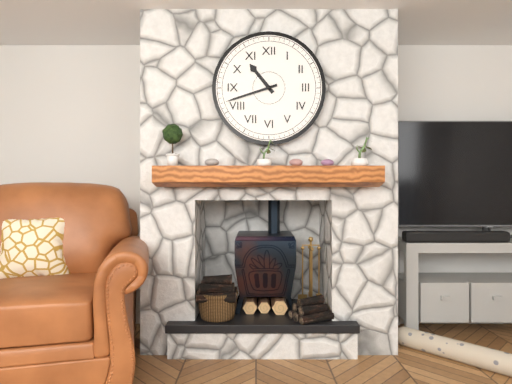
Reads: **10:42**
